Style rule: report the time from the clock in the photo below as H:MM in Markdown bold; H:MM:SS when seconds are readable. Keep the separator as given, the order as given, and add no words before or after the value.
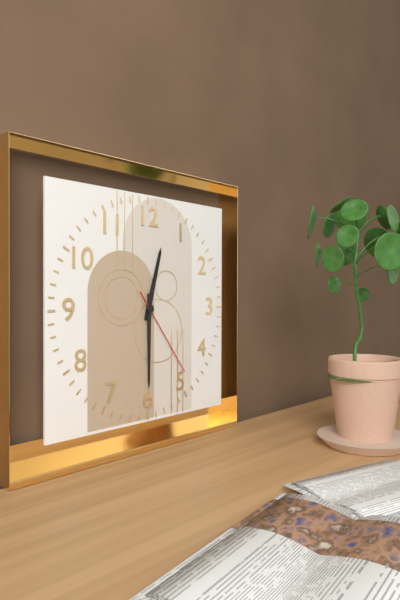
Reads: **12:30:24**
